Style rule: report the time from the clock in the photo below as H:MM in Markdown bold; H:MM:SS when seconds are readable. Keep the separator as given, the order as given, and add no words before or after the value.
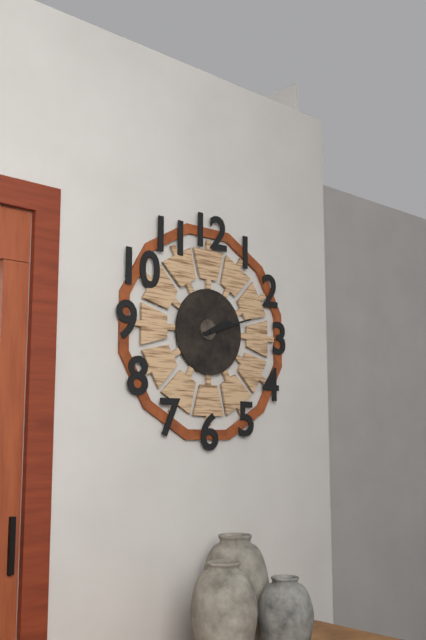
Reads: **2:12**
